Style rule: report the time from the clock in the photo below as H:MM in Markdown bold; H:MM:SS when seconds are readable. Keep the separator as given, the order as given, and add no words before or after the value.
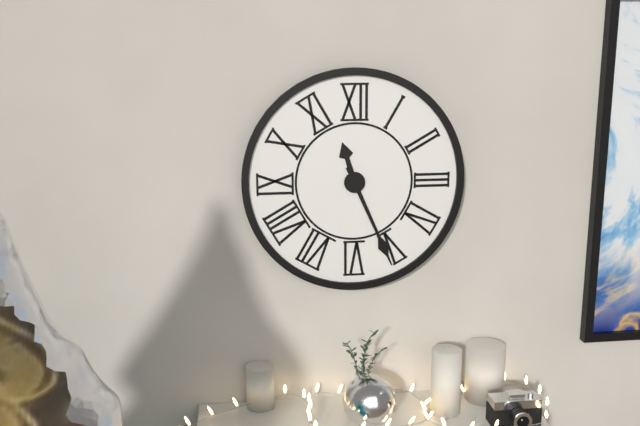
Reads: **11:26**
